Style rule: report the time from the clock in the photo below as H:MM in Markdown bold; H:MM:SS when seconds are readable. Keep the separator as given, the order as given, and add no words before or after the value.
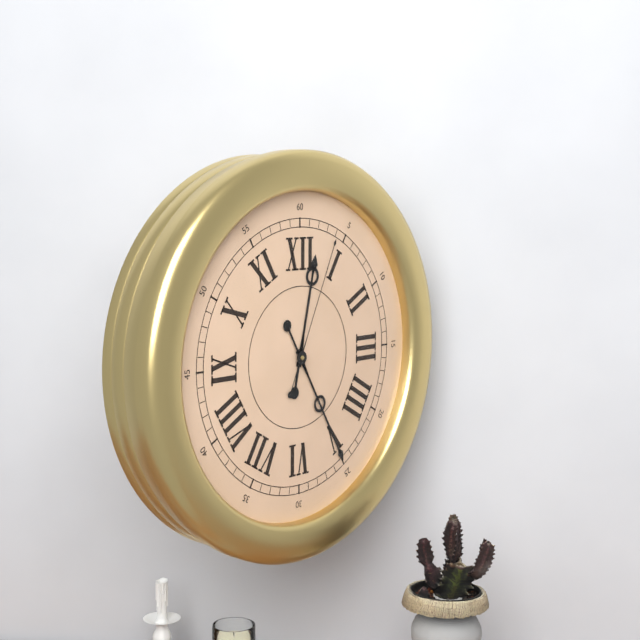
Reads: **12:25:04**
